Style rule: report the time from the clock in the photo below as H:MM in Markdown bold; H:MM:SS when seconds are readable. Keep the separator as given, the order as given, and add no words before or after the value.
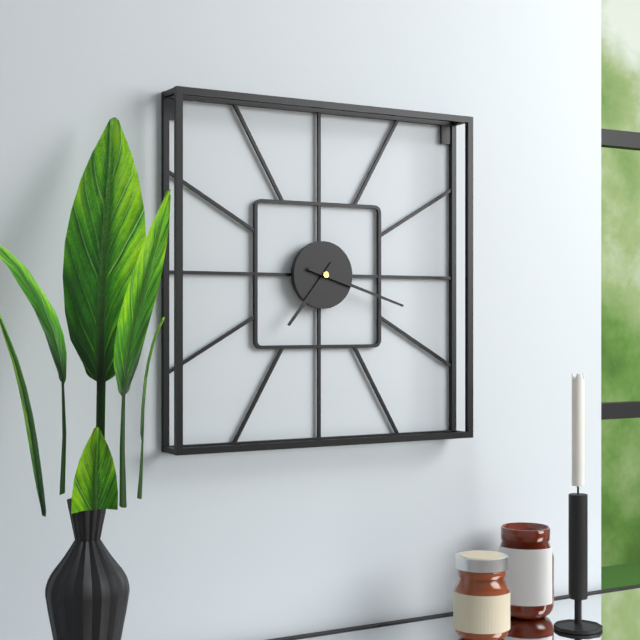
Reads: **7:18**
